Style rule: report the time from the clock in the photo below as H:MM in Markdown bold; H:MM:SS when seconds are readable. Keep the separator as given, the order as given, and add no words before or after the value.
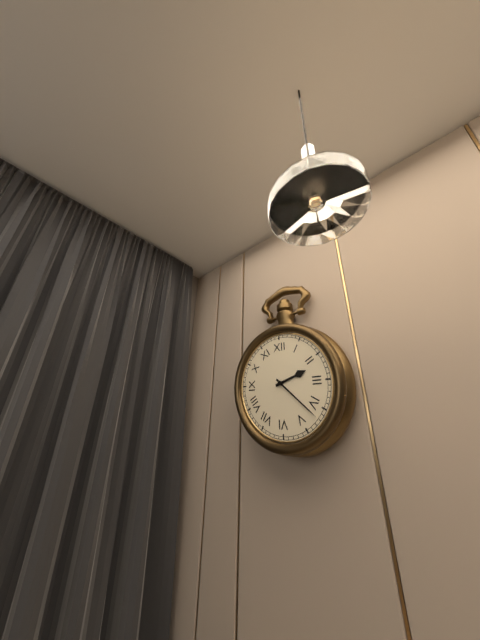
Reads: **2:22**
